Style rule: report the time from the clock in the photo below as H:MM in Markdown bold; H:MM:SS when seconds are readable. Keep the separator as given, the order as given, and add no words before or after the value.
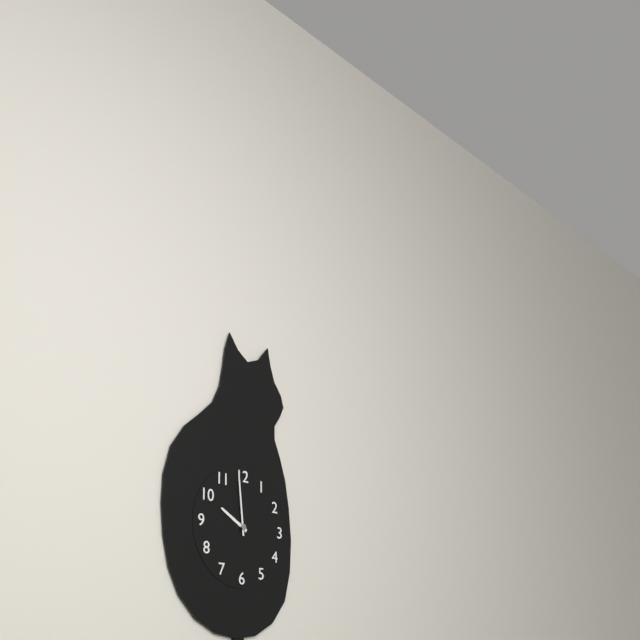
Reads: **9:59**
